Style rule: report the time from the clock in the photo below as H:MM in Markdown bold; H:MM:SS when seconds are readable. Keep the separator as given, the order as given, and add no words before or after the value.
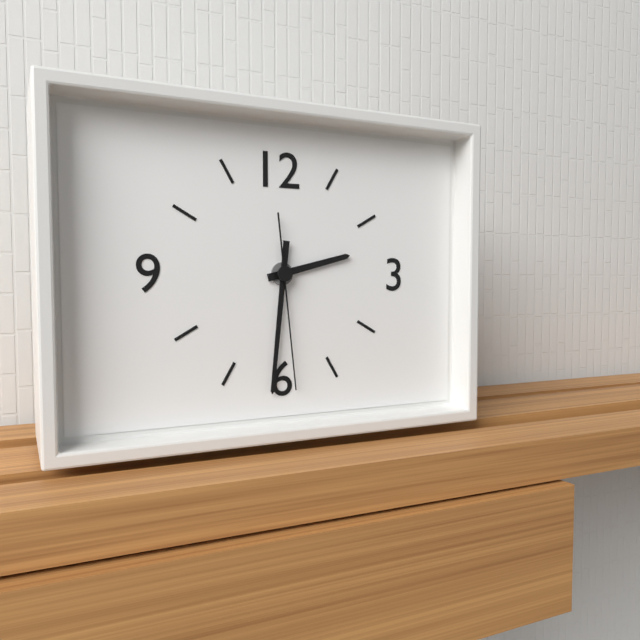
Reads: **2:31:29**
